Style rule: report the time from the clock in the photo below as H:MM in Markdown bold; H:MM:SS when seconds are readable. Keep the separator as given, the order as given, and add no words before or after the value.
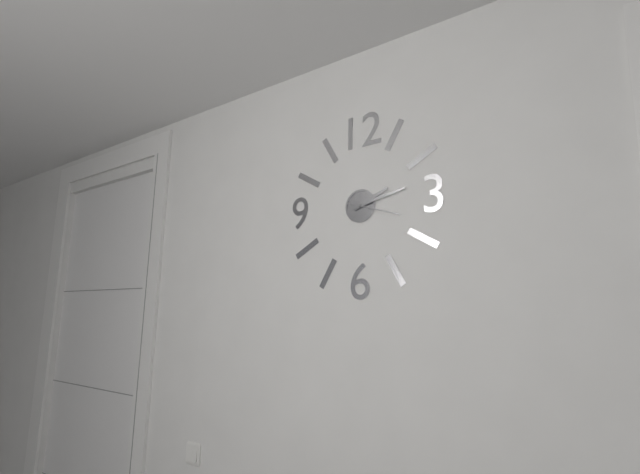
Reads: **2:13:18**
